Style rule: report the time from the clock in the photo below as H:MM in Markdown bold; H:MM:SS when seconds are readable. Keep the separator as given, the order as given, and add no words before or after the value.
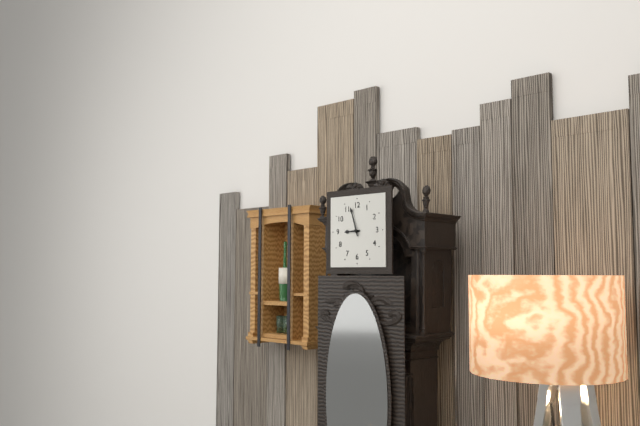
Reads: **8:57**
